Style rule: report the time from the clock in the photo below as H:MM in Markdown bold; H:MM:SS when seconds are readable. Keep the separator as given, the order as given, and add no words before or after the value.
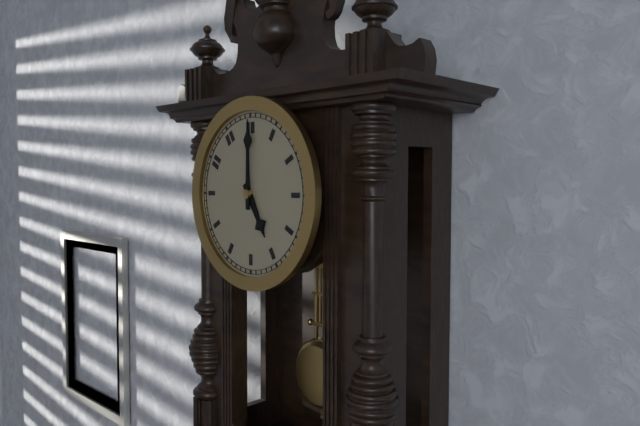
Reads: **5:00**
